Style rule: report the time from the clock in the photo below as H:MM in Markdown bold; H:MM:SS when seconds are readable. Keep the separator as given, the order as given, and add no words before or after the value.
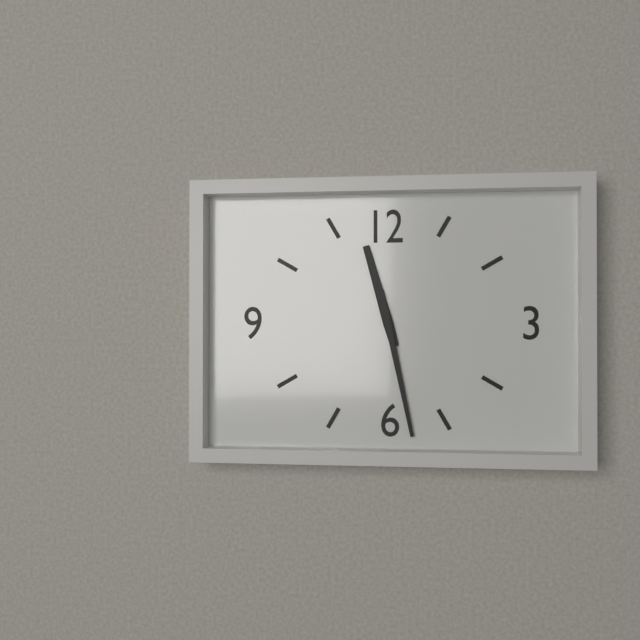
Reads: **11:28**
